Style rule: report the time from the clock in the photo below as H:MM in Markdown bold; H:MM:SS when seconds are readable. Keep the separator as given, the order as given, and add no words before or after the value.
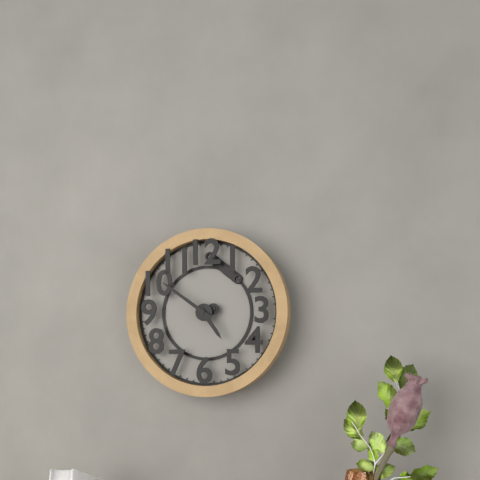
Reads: **4:51**
